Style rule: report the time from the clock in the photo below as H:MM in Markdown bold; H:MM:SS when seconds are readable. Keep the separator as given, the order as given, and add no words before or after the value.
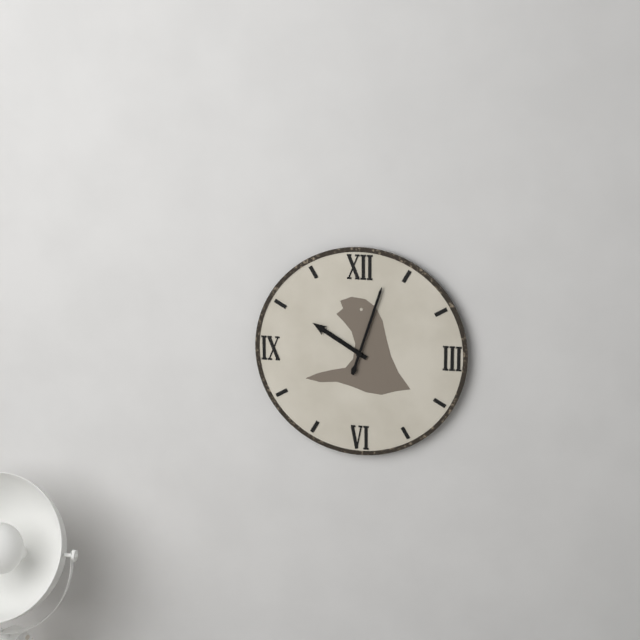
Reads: **10:03**
